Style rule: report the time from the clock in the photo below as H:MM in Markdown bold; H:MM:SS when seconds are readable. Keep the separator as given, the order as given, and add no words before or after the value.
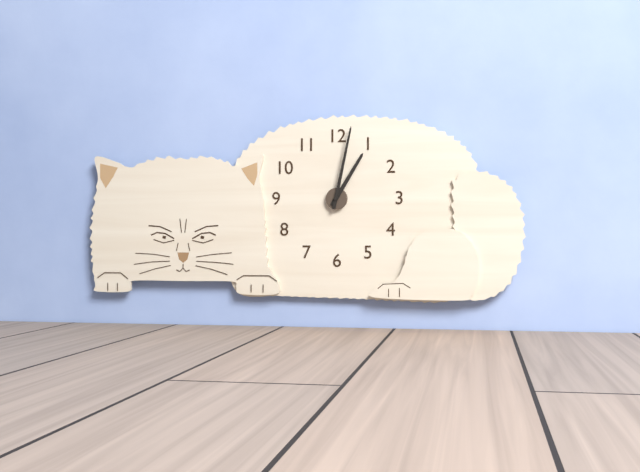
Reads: **1:02**
